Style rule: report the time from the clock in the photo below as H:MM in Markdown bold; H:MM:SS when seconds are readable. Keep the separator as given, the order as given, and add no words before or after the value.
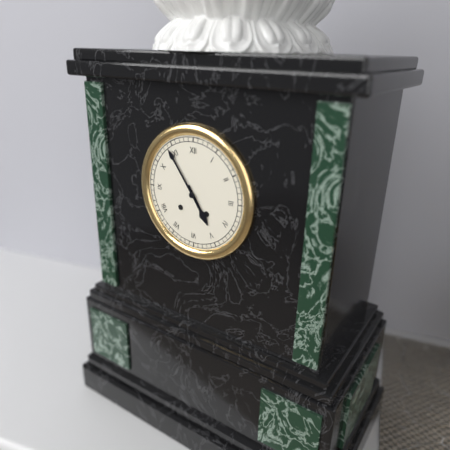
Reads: **4:54**
